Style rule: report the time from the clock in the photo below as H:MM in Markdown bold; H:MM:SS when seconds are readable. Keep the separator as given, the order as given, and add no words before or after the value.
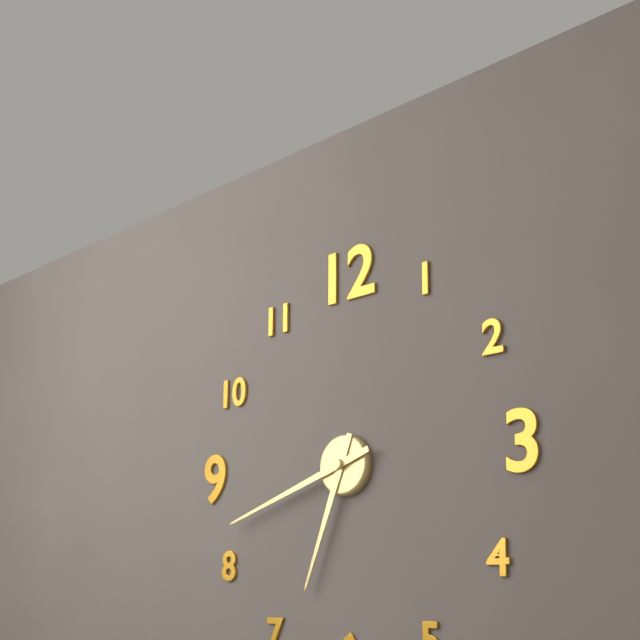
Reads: **6:42**
